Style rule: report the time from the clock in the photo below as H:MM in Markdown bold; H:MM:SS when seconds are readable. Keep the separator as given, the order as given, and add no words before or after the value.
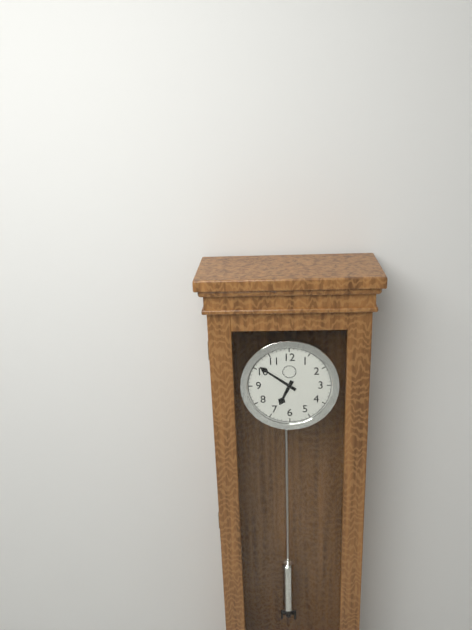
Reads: **6:51**
